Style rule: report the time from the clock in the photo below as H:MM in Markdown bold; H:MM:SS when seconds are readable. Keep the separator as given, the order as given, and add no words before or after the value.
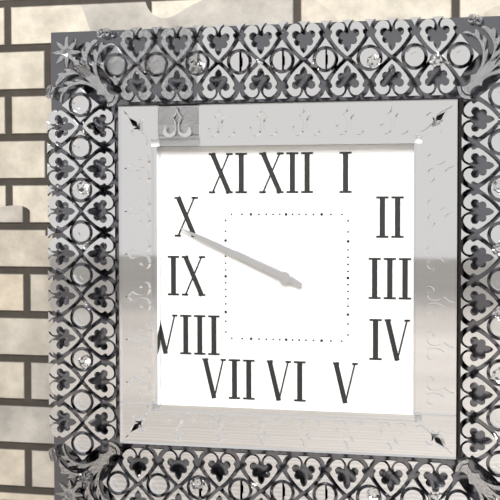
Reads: **9:49**
